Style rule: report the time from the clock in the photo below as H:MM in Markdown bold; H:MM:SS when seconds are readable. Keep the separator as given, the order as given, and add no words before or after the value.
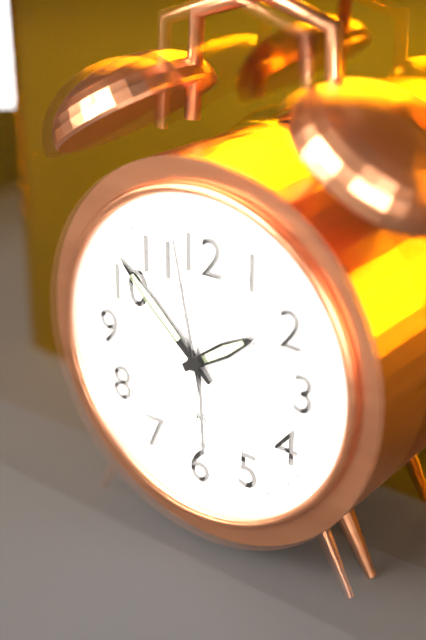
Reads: **1:52:58**
